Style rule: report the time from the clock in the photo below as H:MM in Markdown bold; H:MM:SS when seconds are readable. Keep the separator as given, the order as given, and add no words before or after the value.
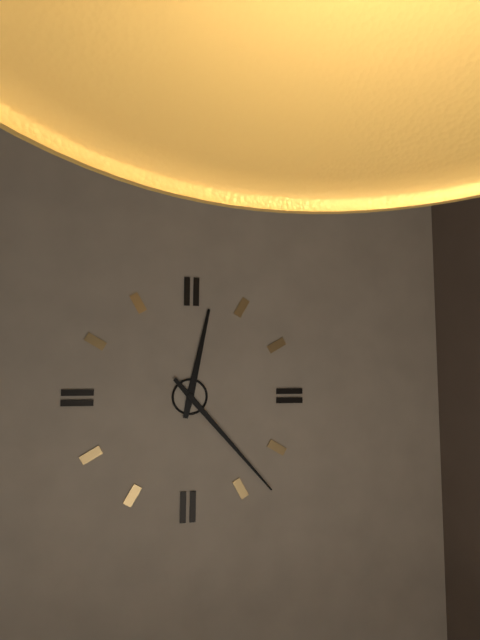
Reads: **12:23**
